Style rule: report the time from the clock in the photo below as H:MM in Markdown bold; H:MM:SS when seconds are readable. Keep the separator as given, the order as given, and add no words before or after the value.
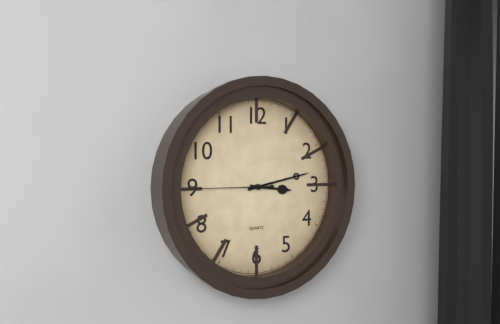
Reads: **3:13:45**
